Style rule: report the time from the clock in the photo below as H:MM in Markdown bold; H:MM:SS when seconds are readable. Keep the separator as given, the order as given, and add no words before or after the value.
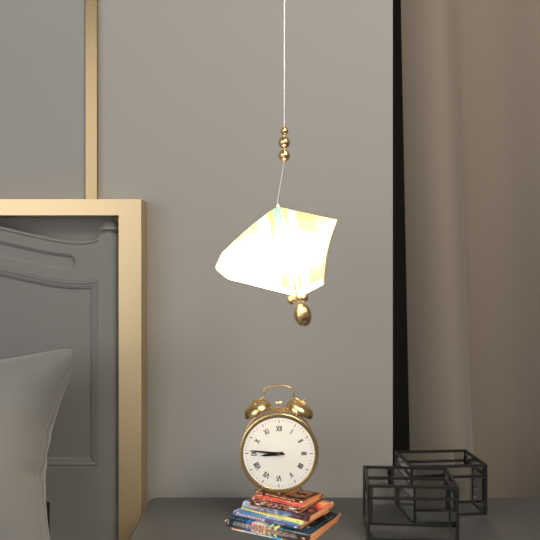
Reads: **8:46**
